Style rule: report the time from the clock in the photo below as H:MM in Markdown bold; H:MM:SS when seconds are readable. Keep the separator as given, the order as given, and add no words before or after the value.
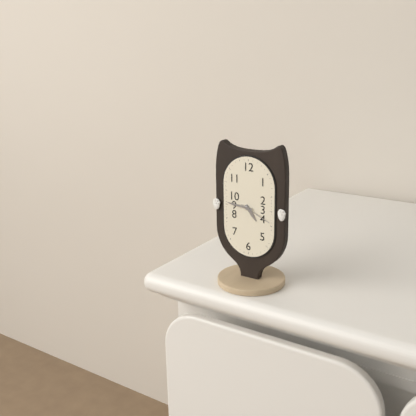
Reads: **4:46**
